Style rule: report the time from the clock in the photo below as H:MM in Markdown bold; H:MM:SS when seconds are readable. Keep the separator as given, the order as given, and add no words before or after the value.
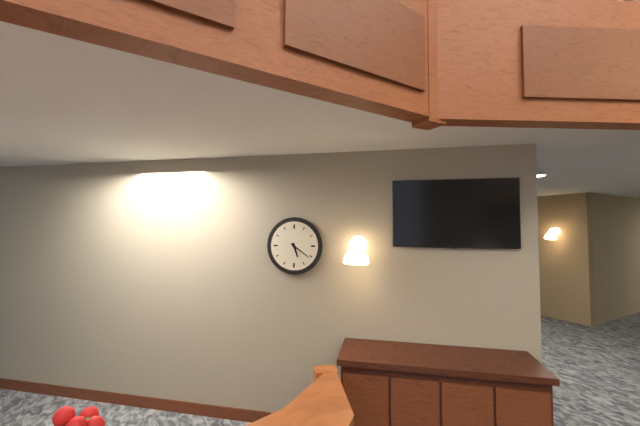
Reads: **5:21**
